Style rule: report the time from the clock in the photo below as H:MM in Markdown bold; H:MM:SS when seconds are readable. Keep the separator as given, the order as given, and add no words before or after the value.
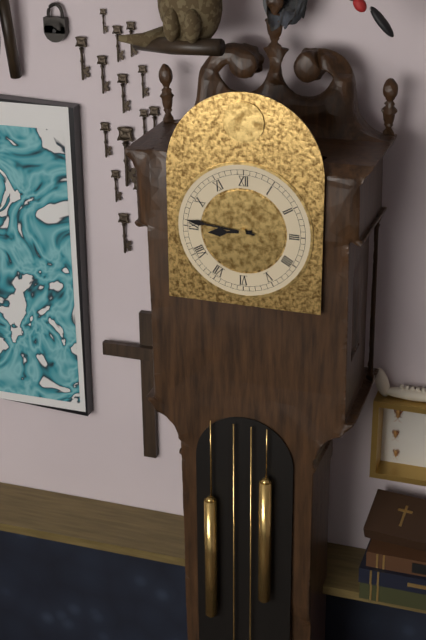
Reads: **8:46**
